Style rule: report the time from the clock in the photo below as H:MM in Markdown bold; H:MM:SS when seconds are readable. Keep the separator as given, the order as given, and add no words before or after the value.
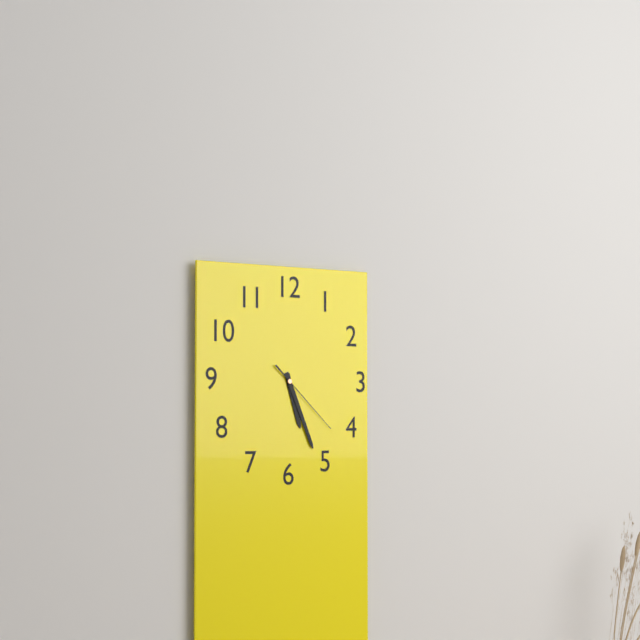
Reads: **5:26:22**
